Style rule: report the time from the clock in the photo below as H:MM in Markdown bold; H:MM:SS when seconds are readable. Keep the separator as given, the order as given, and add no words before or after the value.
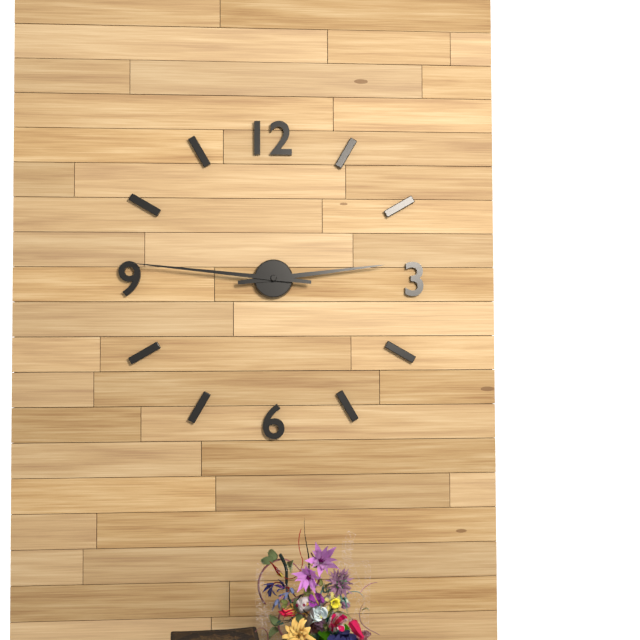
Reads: **2:46**
